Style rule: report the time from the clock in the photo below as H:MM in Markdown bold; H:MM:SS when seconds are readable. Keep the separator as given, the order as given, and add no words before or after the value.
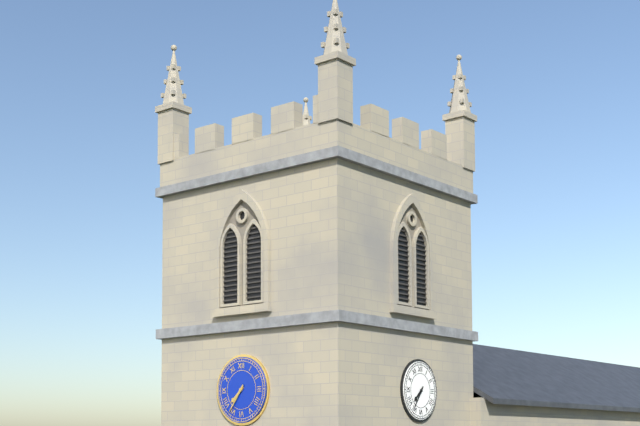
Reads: **7:36**
